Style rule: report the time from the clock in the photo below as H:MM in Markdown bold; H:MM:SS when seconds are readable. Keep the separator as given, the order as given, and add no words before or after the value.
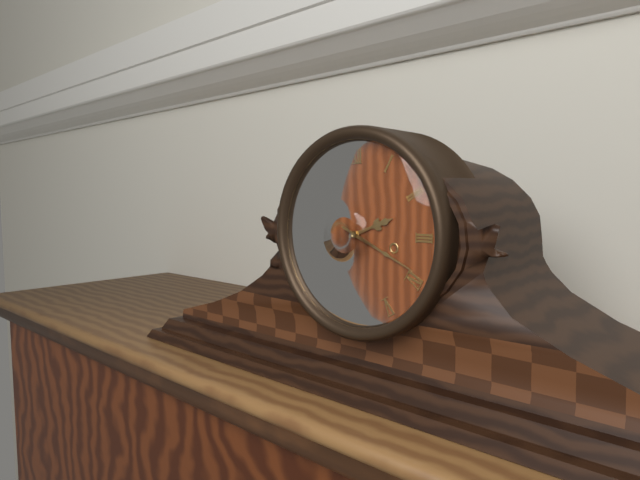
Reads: **2:19**
